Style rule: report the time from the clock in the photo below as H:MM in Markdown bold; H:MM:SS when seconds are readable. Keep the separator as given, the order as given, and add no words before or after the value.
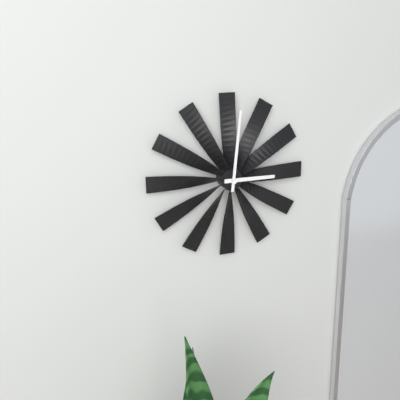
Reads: **3:01**
